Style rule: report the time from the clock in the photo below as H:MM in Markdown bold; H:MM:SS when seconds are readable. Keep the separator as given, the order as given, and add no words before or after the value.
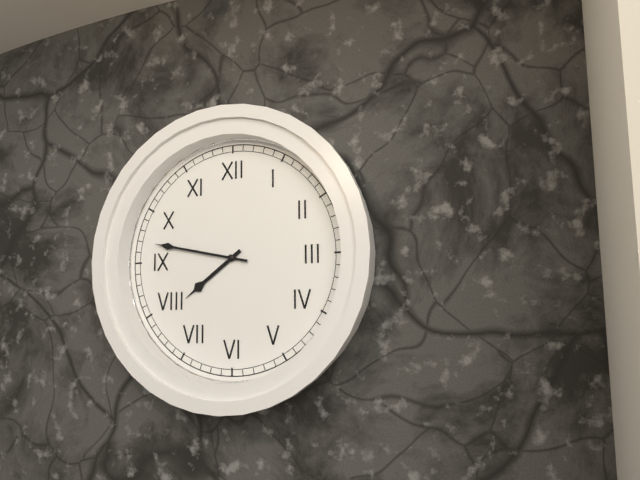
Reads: **7:47**
